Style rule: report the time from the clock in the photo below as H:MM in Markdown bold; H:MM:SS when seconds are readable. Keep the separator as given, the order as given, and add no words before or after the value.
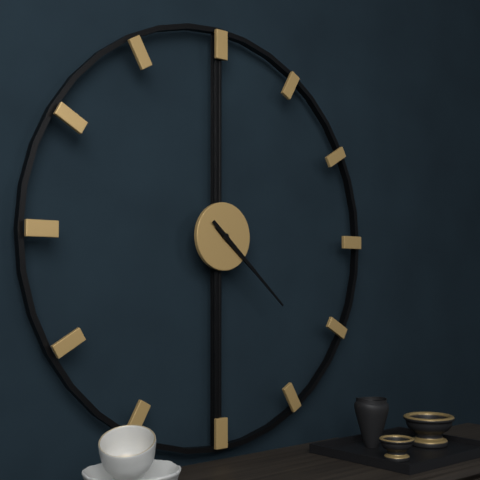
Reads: **4:22**
